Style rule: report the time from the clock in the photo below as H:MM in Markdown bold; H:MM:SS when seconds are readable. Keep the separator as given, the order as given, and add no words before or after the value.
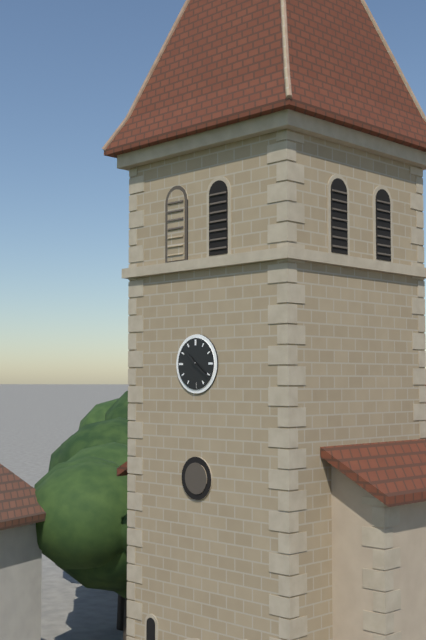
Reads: **10:21**
